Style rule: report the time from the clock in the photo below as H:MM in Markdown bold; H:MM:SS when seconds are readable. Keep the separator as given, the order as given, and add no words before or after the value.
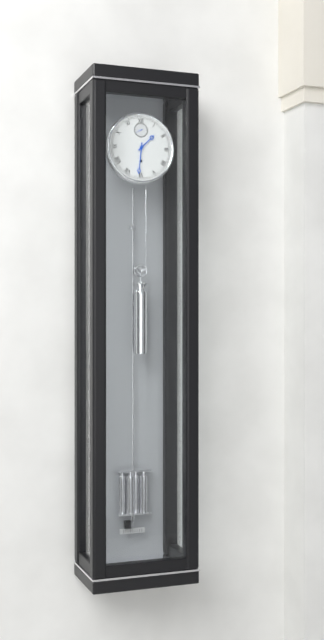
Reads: **1:31**
